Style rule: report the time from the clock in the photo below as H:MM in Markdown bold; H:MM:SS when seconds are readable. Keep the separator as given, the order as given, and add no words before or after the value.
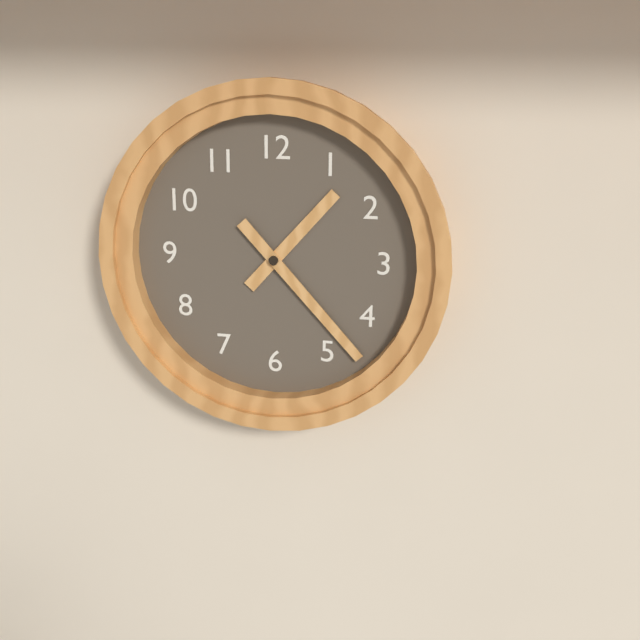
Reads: **1:23**
